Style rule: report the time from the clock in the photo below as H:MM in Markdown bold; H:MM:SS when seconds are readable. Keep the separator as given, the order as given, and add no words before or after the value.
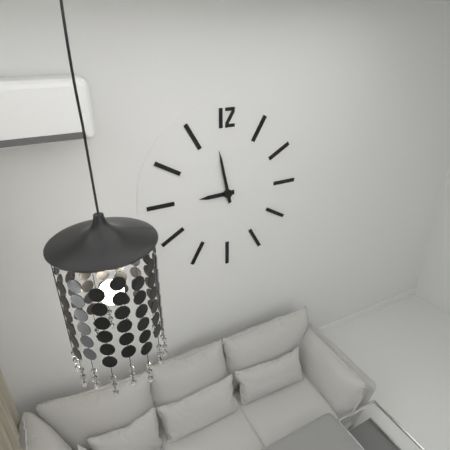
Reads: **8:58**
